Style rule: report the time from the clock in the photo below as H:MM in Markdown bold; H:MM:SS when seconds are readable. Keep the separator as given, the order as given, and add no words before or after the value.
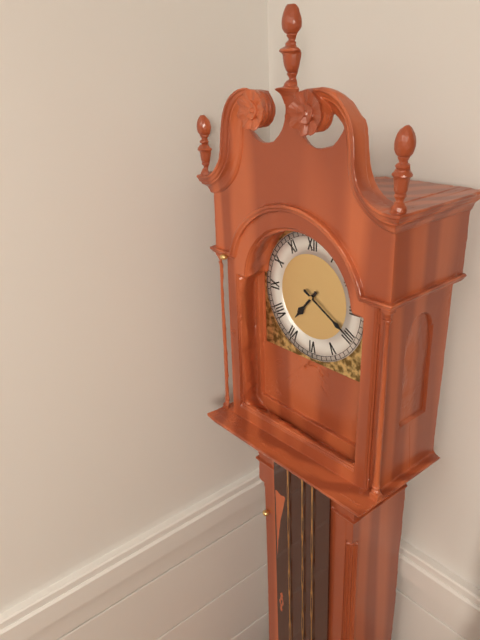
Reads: **7:20**
